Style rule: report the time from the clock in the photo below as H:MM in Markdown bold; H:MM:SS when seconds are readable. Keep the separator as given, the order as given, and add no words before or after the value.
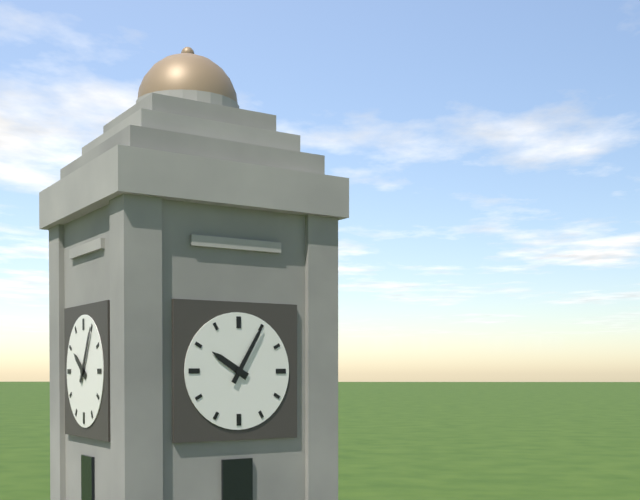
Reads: **10:05**
